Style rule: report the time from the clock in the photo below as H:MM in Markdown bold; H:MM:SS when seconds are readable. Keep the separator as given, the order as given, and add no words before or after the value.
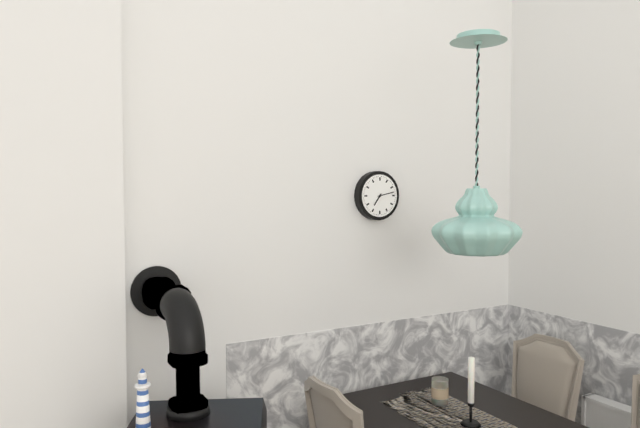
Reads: **7:13**
